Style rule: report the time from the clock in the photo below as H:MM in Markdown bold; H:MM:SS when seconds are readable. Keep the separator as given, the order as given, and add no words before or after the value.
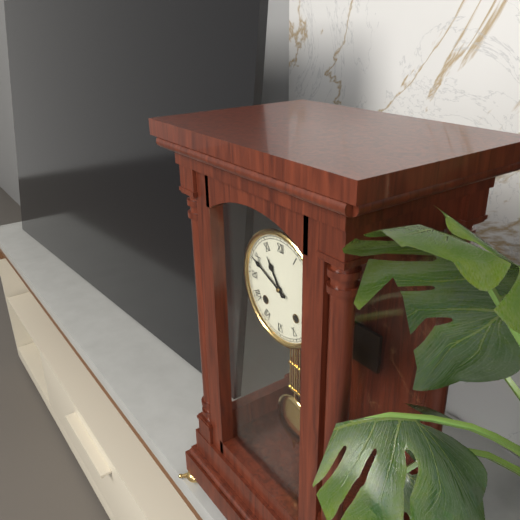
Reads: **10:49**
